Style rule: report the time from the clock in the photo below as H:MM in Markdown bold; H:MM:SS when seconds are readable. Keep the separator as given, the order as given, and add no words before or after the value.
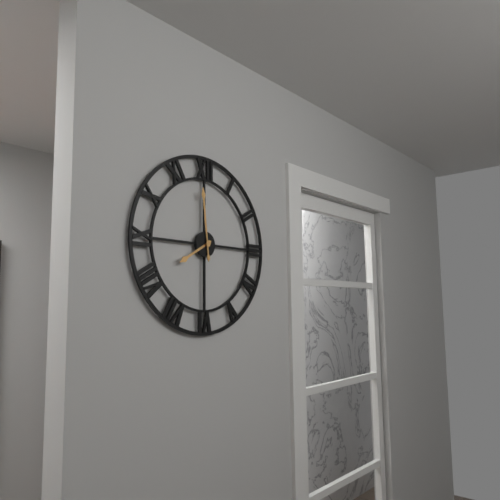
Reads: **7:59**
